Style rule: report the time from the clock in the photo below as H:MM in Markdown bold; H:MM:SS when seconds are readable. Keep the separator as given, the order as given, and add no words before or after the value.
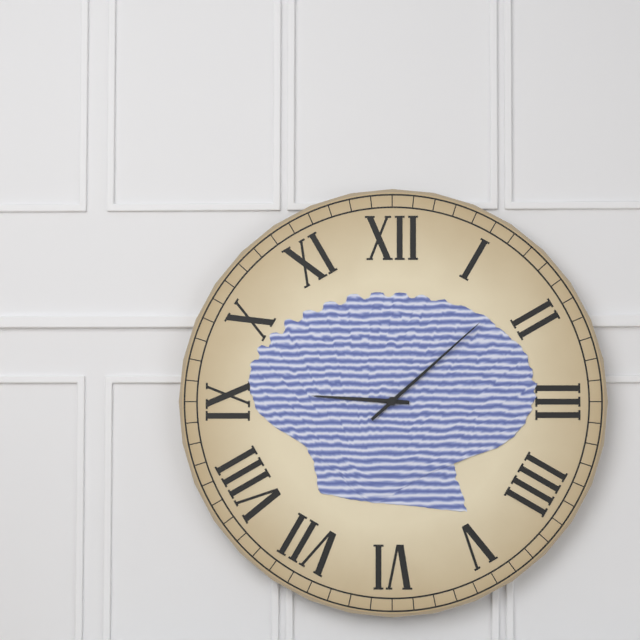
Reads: **9:08**
